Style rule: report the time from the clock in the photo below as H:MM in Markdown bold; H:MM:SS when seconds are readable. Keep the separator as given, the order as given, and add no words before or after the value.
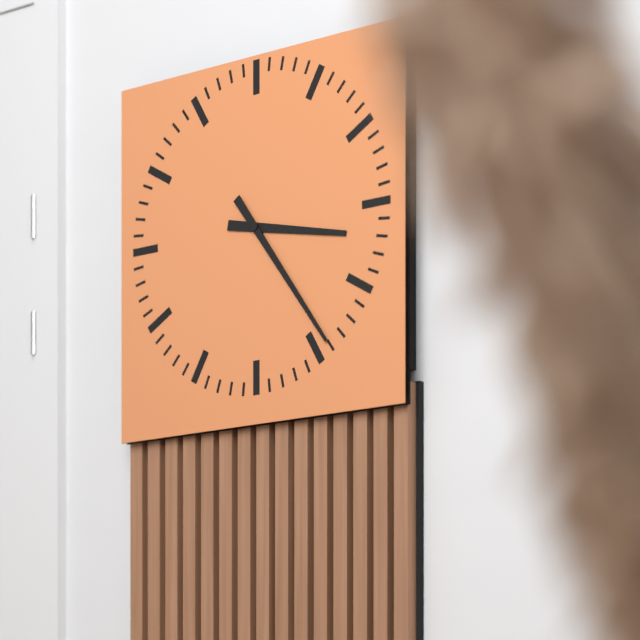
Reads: **3:24**
